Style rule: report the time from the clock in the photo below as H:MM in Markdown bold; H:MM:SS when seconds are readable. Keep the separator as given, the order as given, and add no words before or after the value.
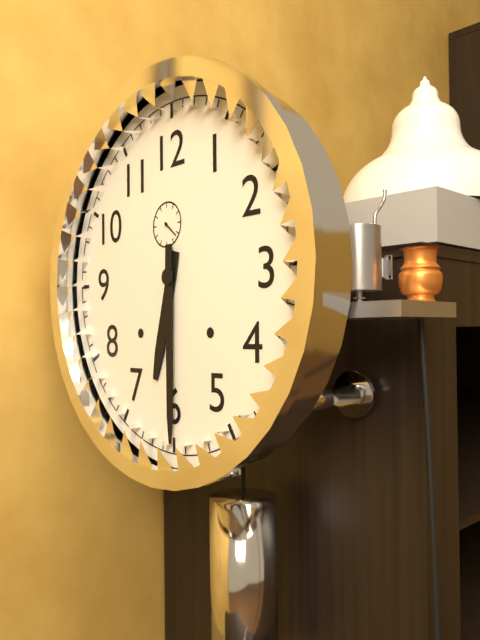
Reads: **6:30**
